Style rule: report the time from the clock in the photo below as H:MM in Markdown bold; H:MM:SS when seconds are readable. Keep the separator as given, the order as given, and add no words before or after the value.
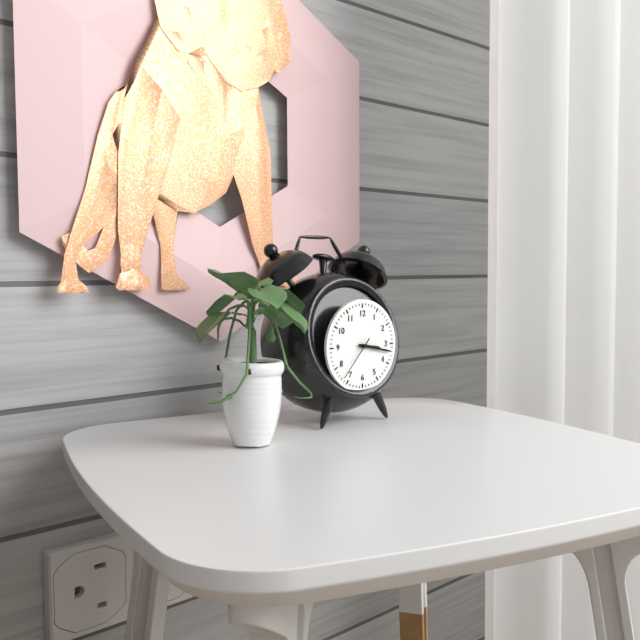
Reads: **3:17**
